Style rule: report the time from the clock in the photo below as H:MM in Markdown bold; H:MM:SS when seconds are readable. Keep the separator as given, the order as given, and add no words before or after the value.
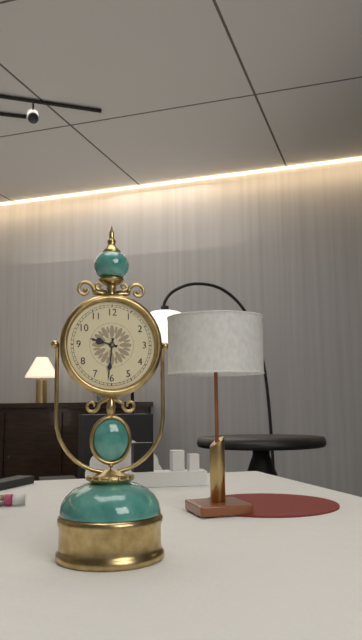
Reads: **9:31**
